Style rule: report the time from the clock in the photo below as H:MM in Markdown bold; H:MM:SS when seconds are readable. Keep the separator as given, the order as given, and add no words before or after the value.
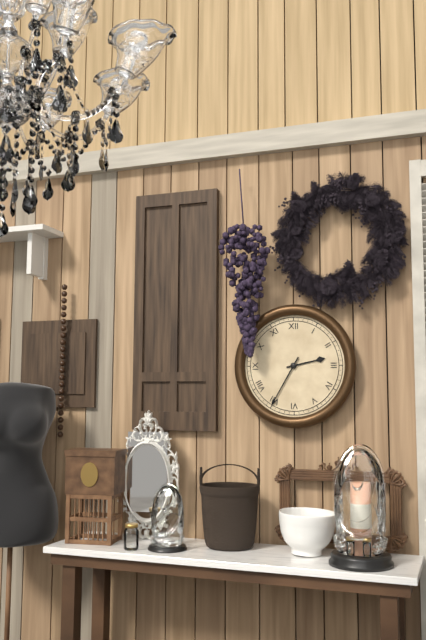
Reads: **2:35**
